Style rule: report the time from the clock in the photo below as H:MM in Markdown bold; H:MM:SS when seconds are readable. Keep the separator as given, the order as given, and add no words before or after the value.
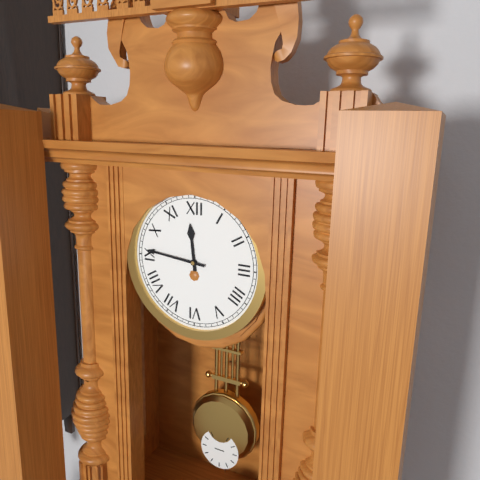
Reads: **11:46**
